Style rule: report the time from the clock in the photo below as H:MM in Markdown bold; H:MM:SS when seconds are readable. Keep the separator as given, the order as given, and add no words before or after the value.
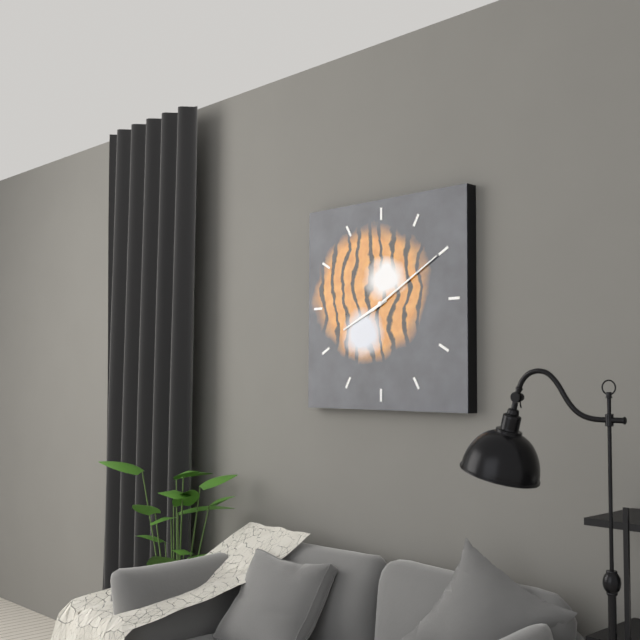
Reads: **8:10**
